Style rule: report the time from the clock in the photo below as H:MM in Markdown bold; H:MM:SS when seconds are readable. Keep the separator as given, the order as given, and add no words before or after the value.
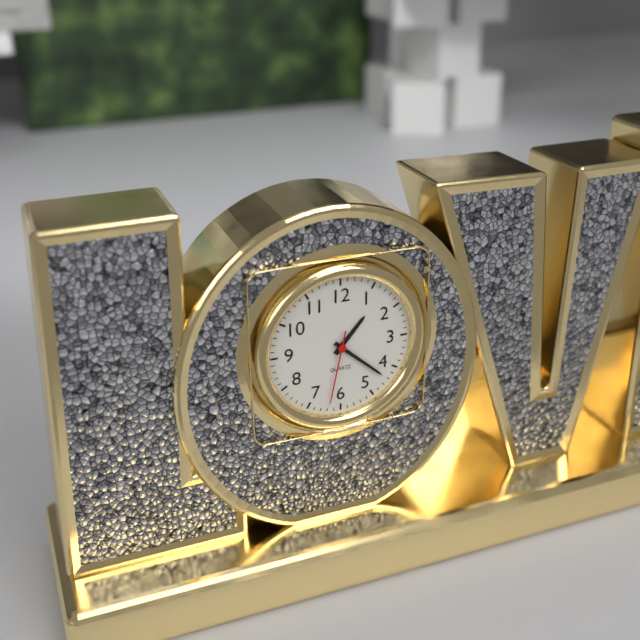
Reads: **1:22:32**
